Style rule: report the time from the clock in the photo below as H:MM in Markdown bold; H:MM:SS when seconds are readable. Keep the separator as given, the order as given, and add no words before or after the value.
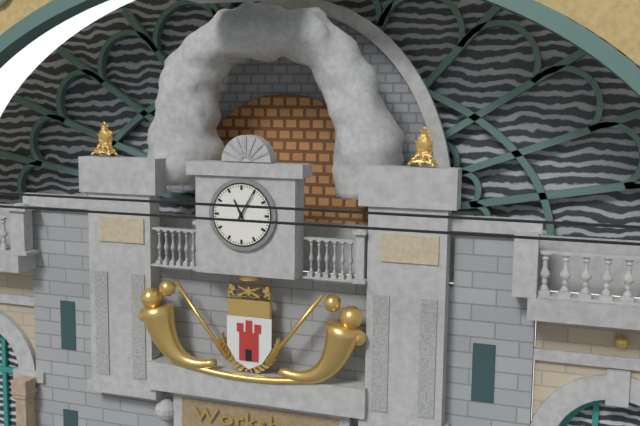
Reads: **11:05**
